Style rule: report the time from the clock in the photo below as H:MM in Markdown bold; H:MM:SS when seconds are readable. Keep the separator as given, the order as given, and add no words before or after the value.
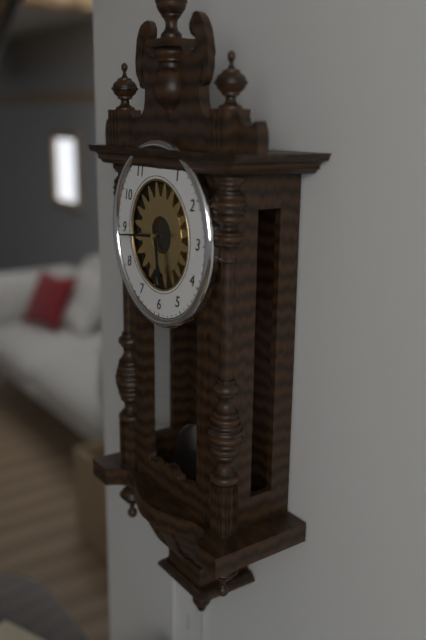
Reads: **5:44**
